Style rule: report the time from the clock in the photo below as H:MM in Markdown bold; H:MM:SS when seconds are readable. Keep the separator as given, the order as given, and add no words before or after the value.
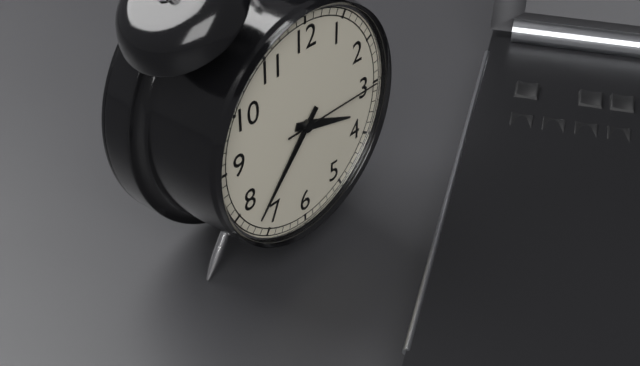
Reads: **3:37:15**
